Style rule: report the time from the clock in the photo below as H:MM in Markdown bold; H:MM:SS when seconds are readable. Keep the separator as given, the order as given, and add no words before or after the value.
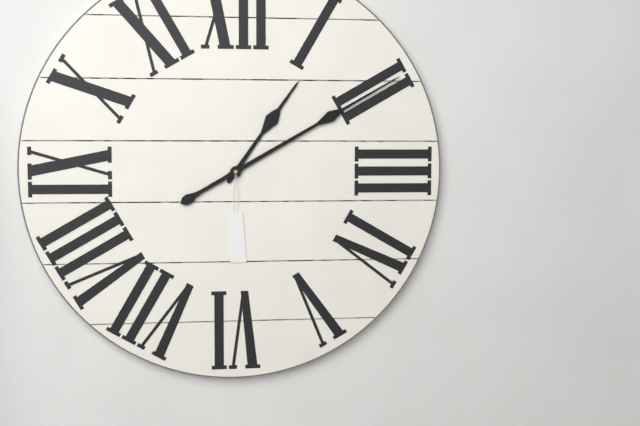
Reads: **1:10**
